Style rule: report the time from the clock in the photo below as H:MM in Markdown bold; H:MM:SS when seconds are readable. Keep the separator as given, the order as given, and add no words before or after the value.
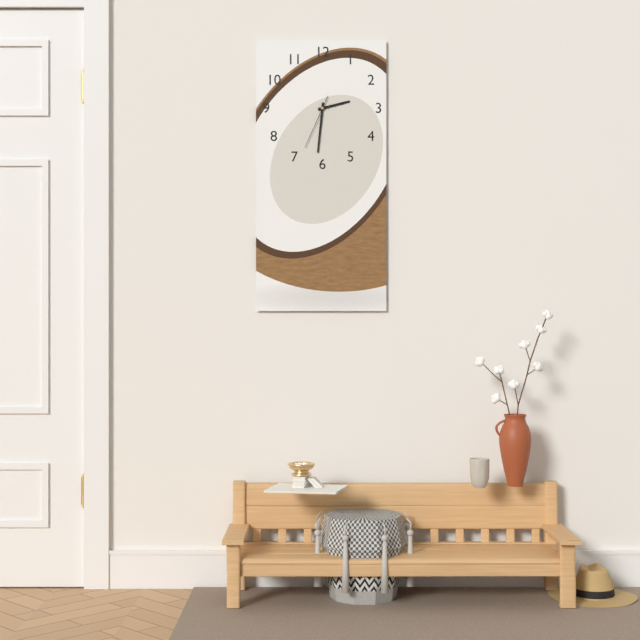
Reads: **2:31:34**
